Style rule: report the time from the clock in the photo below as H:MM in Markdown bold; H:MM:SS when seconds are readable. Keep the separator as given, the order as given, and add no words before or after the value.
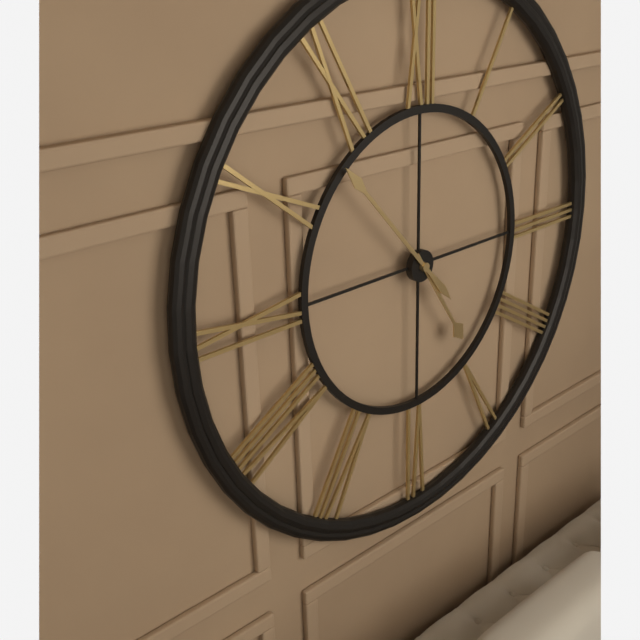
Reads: **4:53**
